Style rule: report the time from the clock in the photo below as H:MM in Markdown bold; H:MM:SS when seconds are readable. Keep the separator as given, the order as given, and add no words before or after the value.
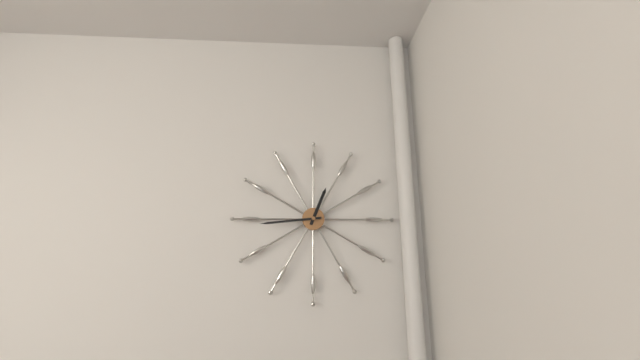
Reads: **12:44**
